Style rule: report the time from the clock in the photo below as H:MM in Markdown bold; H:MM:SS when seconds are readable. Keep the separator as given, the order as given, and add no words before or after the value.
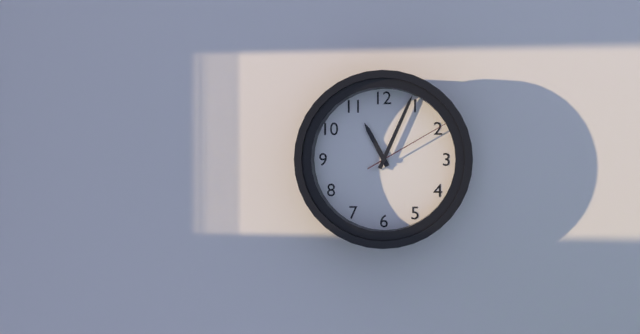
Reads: **11:04:10**
